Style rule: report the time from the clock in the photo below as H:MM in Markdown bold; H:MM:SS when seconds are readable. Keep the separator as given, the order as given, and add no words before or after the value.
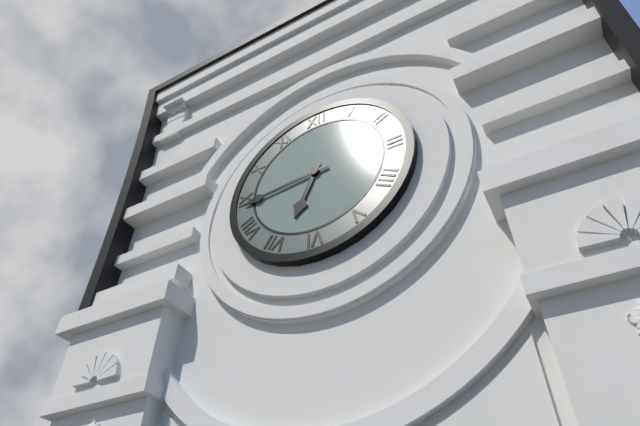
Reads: **6:44**
